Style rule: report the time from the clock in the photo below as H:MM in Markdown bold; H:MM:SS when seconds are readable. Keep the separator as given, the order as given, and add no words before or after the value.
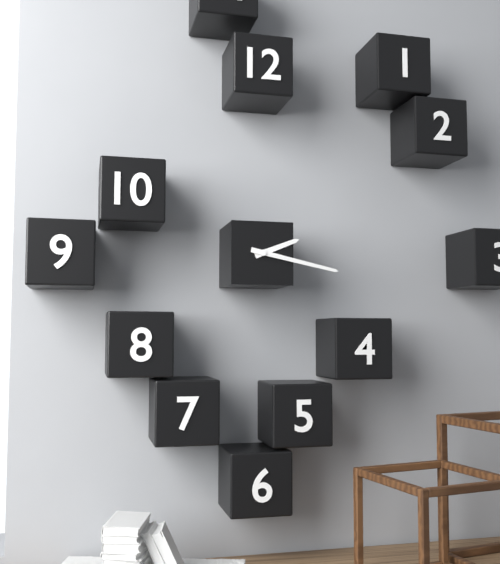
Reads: **2:17**
